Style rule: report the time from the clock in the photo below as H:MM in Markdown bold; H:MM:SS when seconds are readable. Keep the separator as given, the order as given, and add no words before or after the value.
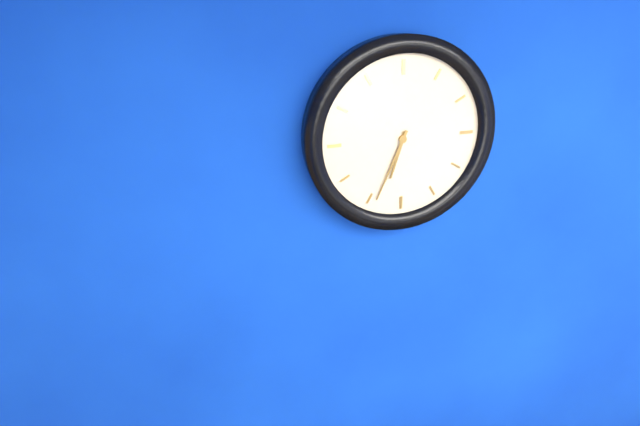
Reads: **6:34**
